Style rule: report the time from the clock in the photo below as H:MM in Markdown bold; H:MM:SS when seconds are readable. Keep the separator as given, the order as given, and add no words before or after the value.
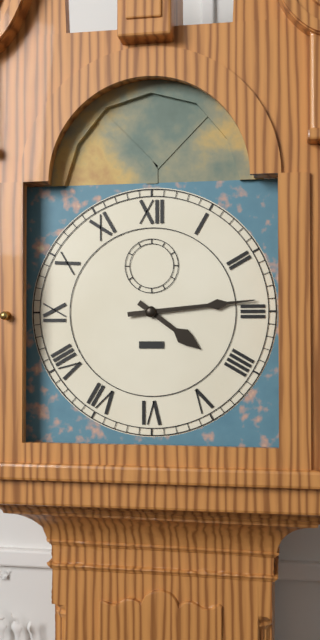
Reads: **4:14**
